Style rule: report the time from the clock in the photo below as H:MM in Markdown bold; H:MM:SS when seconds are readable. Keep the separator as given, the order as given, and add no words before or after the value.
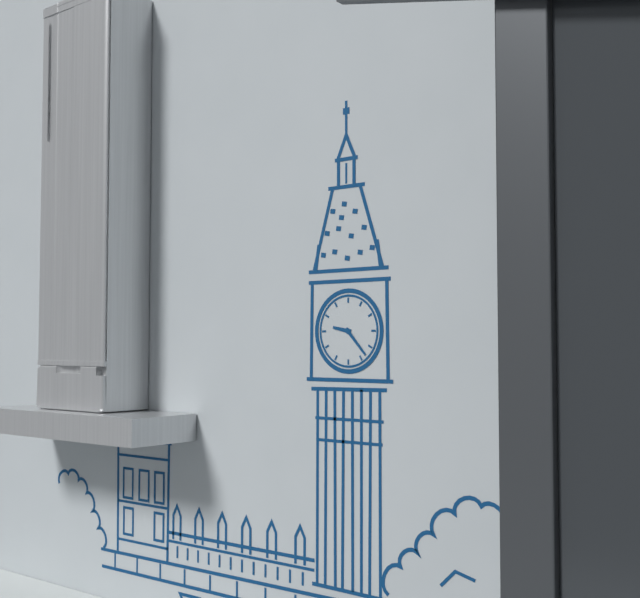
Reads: **9:23**
